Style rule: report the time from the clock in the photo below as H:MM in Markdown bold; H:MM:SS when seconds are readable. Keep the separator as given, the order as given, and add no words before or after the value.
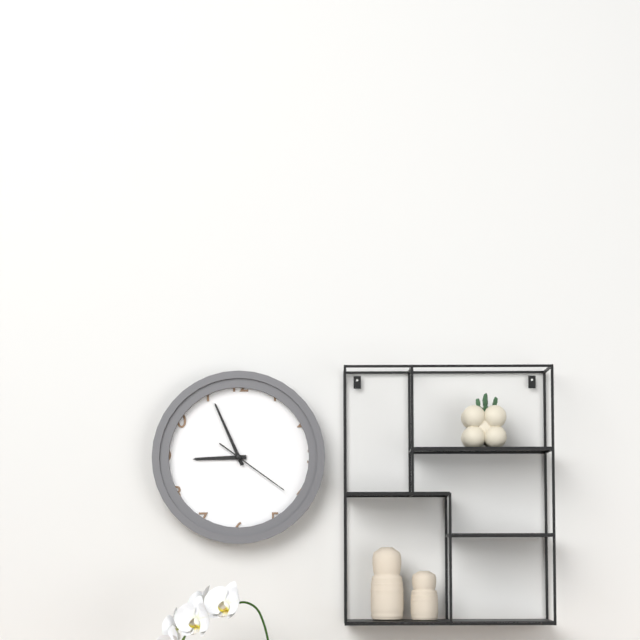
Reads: **8:56:21**
